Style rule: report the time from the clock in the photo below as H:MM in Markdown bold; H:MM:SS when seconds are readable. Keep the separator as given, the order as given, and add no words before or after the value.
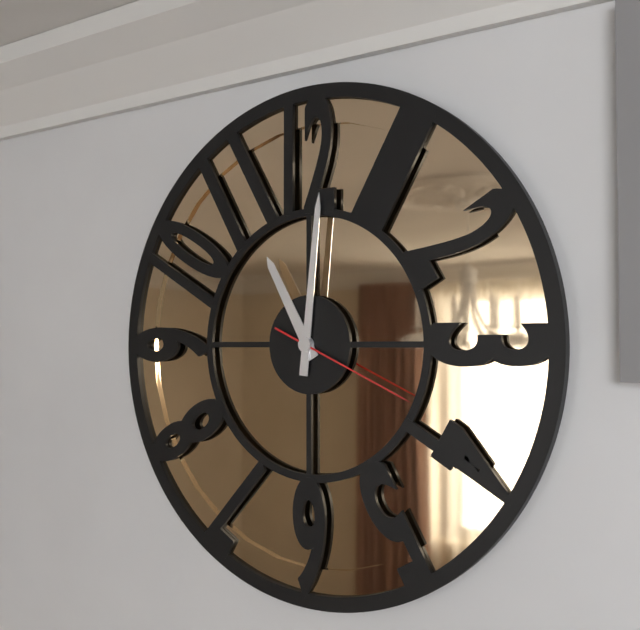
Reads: **11:01:19**
